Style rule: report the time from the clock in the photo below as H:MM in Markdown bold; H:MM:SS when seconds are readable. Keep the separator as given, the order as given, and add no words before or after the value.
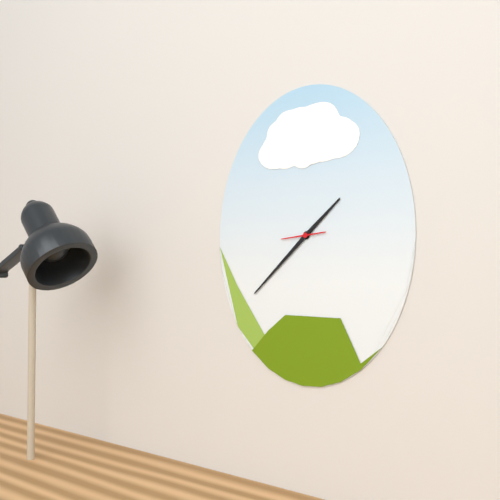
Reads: **1:38**
